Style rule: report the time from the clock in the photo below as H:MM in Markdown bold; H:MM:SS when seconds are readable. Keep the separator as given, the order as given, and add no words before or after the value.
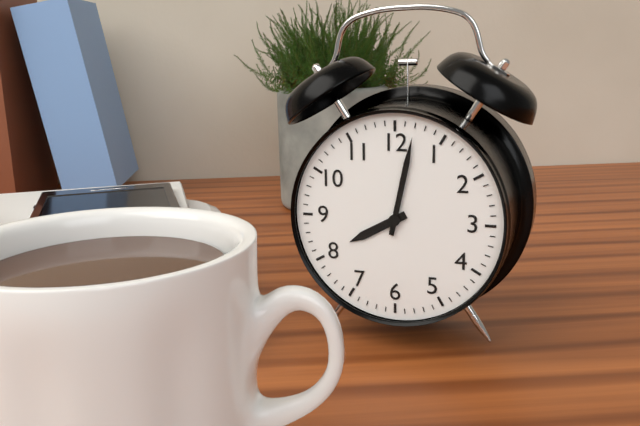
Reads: **8:02**
